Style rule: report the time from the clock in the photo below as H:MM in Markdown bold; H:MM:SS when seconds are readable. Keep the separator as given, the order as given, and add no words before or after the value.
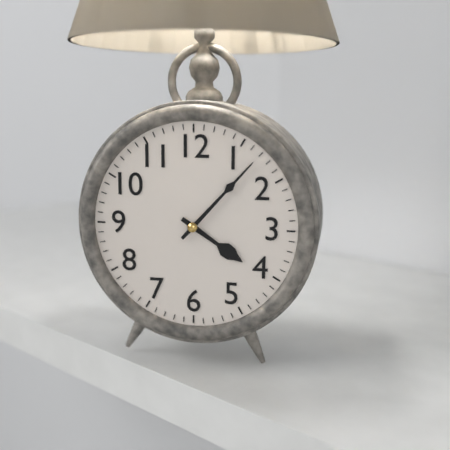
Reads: **4:07**
